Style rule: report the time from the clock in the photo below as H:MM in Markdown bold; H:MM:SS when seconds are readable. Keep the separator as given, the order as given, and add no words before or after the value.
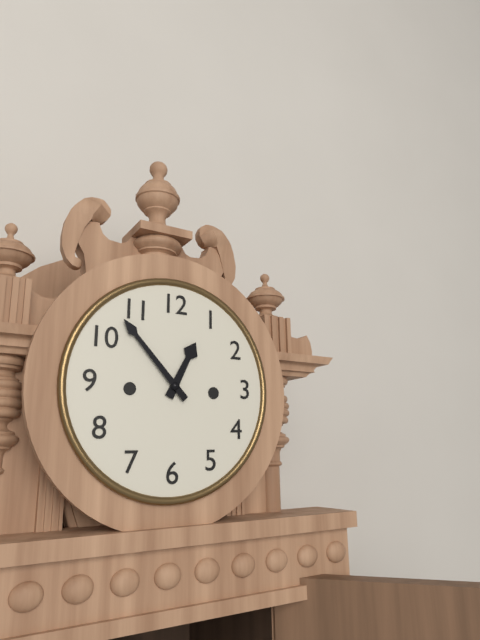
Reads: **12:53**
